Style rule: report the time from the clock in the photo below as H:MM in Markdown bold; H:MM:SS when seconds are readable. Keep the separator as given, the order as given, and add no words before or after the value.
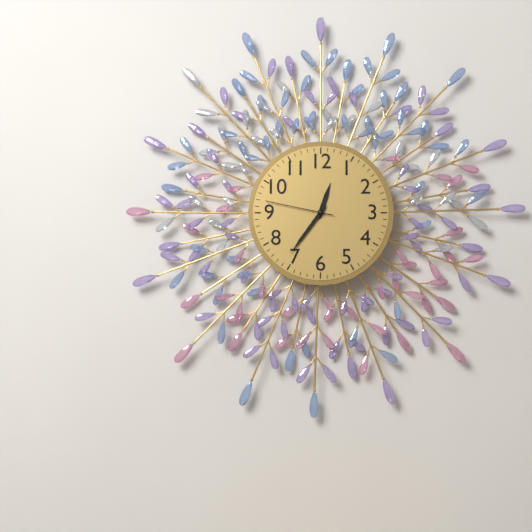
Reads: **12:36:47**
